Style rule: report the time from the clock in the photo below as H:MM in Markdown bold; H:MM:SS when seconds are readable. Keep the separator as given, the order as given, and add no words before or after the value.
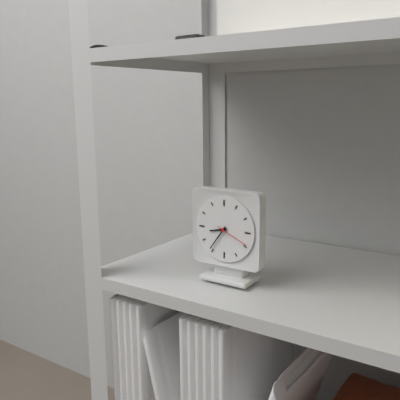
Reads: **8:36**
